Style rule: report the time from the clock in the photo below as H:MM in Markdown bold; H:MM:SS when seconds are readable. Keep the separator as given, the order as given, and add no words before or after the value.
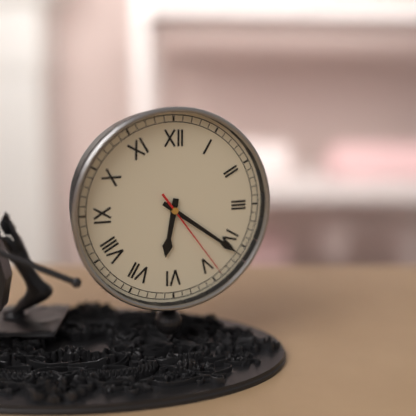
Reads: **6:21:24**
